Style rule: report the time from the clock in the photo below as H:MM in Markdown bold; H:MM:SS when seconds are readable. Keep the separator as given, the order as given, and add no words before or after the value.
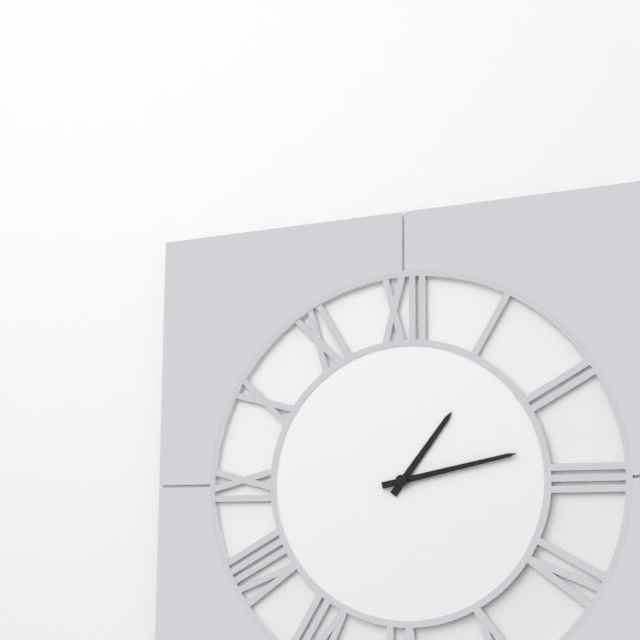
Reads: **1:13**
